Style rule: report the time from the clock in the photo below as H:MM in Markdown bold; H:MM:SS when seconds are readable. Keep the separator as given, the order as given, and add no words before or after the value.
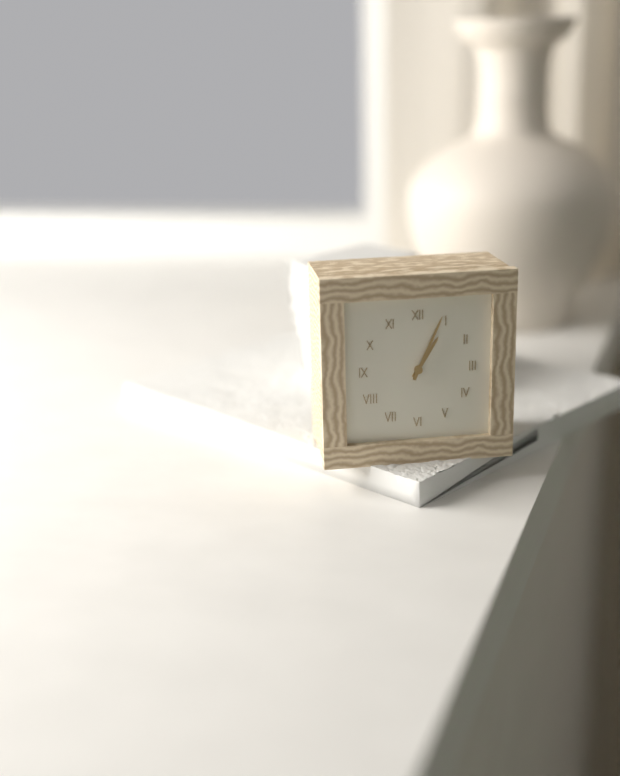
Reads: **1:04**
